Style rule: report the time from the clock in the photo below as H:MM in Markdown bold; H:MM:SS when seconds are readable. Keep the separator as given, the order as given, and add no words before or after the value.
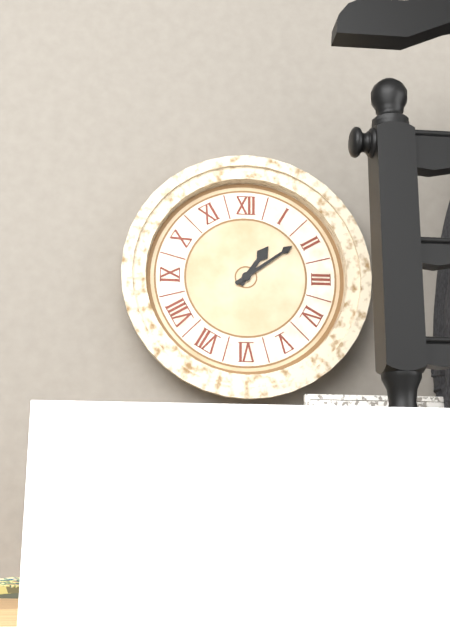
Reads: **1:09**
